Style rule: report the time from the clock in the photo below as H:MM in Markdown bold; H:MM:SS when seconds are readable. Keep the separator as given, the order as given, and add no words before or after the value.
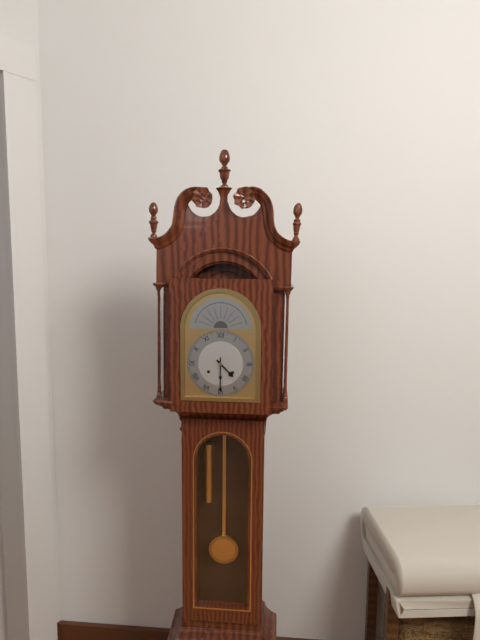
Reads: **4:30**
